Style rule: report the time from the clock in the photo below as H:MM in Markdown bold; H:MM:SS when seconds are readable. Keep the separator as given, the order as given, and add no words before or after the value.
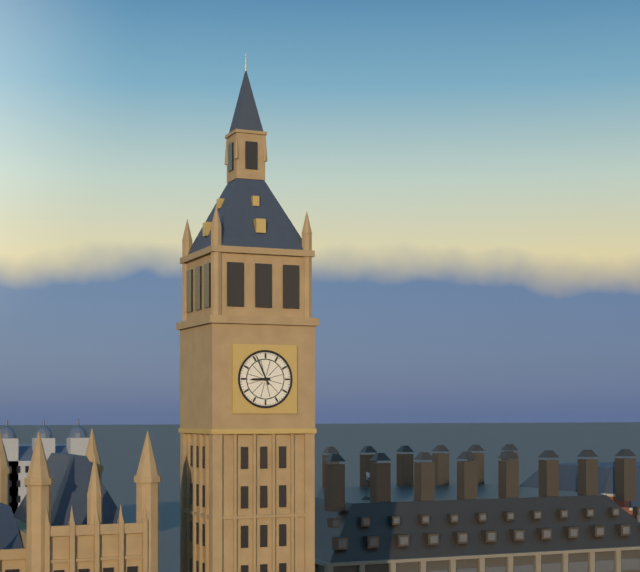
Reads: **8:56**
